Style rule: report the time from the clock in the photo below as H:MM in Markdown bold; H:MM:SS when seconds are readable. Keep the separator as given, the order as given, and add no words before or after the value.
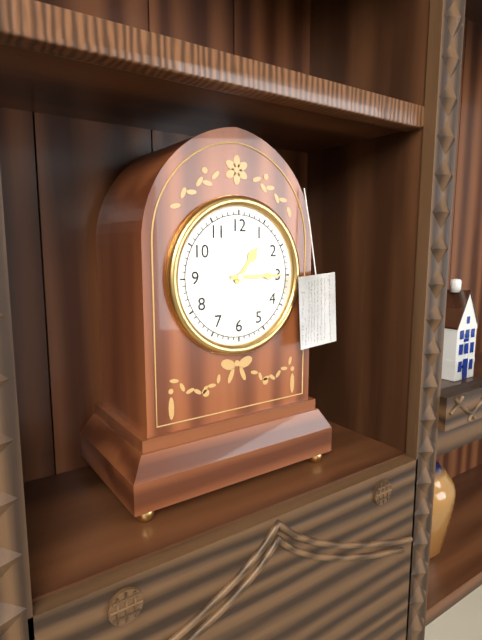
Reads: **1:15**
